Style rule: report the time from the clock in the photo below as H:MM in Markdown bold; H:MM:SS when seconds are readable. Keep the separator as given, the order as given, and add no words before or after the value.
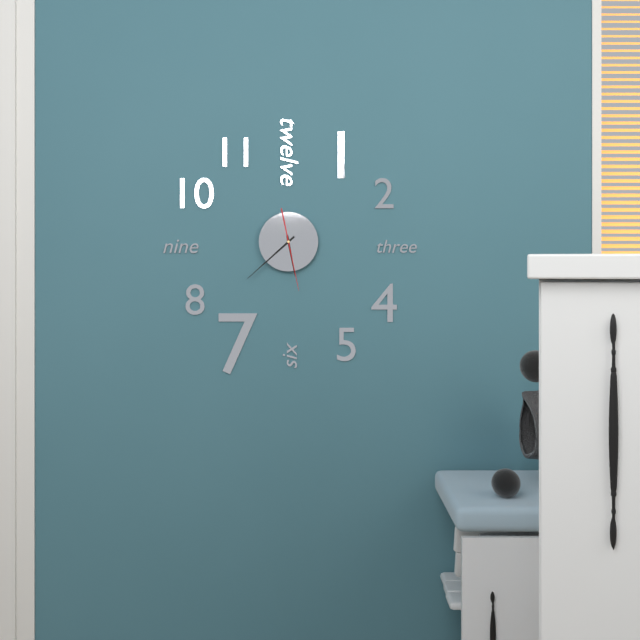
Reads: **5:38:28**
